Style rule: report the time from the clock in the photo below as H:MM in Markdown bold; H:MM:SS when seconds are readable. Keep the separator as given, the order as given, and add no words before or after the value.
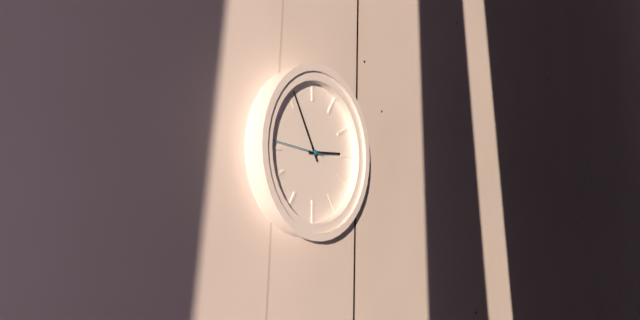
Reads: **2:55:46**
